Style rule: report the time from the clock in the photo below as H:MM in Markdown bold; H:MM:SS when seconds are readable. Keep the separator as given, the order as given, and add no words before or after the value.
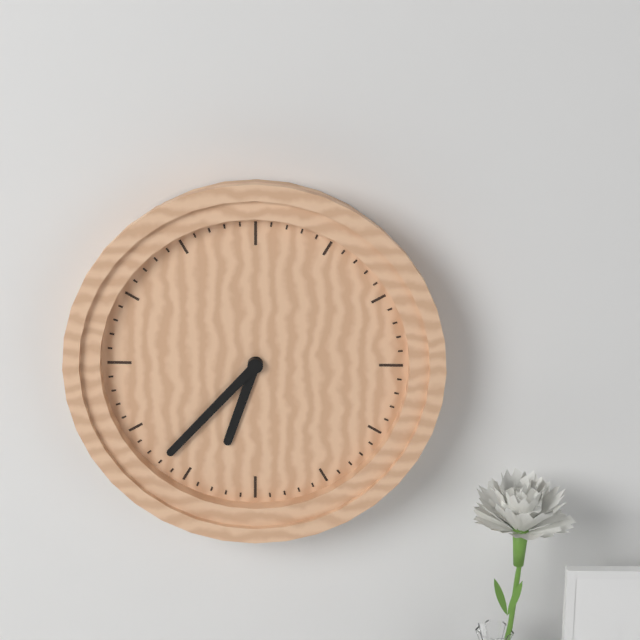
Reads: **6:37**
